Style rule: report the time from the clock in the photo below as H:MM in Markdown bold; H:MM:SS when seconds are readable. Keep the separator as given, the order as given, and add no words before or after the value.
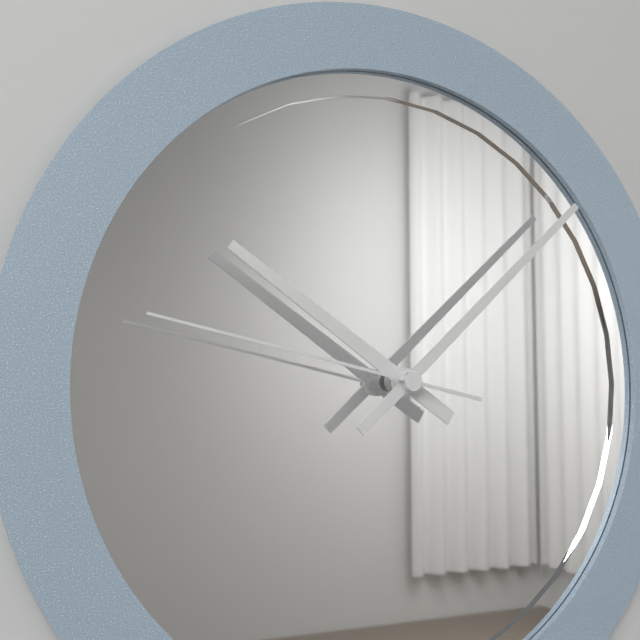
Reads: **10:08:47**
